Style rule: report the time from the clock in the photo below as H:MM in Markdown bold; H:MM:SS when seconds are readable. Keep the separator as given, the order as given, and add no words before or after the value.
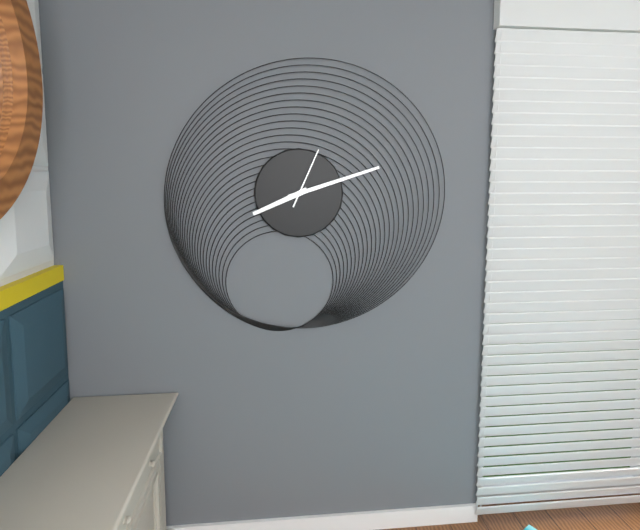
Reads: **8:12:04**
